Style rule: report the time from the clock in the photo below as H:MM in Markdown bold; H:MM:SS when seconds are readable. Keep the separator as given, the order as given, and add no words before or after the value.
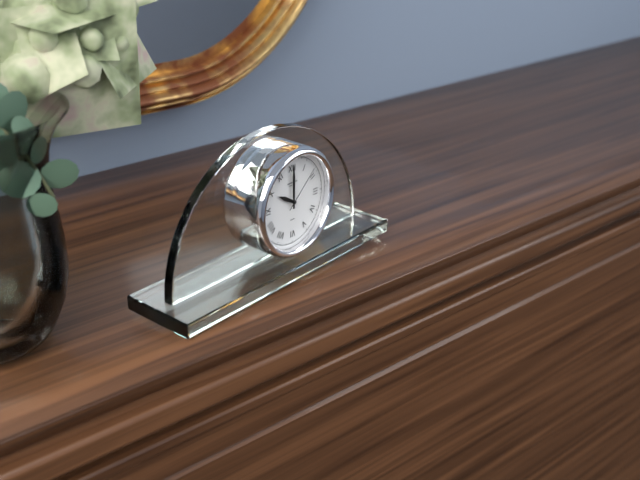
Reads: **10:00**
